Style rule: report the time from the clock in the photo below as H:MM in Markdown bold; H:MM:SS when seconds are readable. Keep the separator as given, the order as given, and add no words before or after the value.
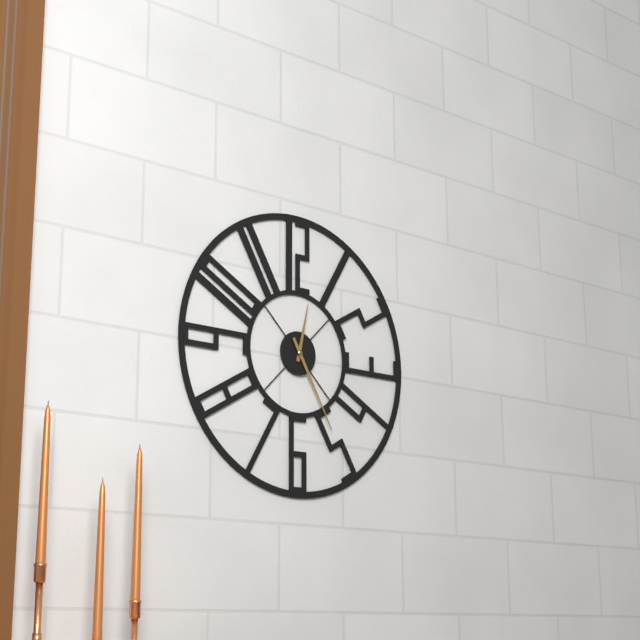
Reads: **12:25**
